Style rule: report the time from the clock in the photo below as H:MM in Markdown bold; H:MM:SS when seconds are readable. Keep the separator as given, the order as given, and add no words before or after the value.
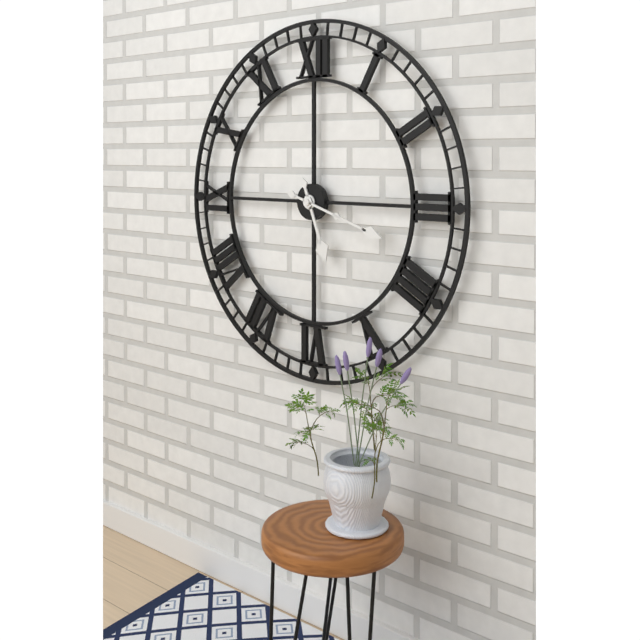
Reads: **5:18**
